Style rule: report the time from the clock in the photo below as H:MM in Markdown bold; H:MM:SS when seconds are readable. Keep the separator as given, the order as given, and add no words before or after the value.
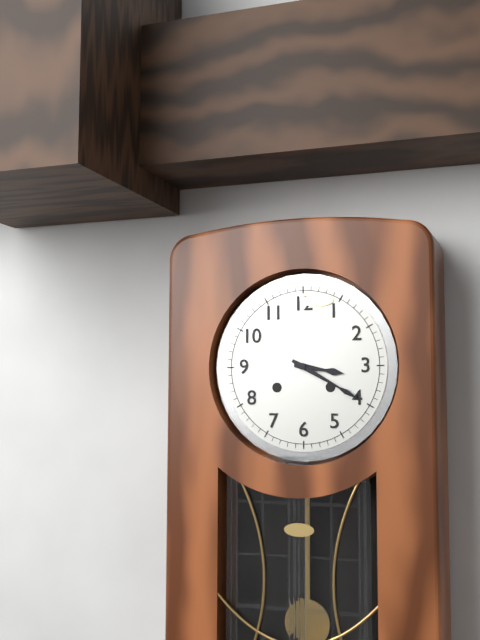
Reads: **3:20**
